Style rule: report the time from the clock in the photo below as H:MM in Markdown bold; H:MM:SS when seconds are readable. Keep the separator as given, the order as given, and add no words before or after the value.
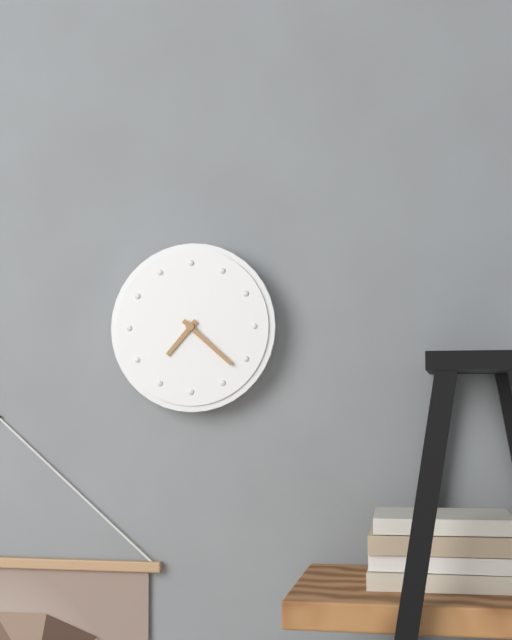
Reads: **7:22**
